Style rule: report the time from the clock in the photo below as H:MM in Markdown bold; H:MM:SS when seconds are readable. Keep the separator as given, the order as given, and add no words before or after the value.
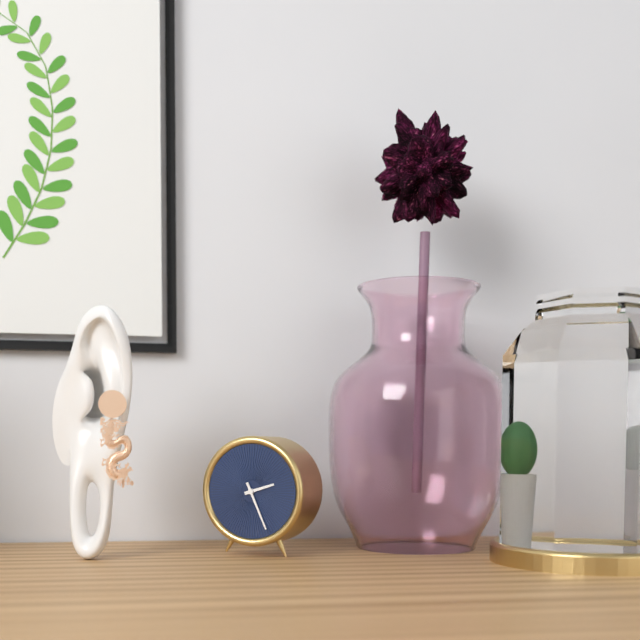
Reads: **2:26**
